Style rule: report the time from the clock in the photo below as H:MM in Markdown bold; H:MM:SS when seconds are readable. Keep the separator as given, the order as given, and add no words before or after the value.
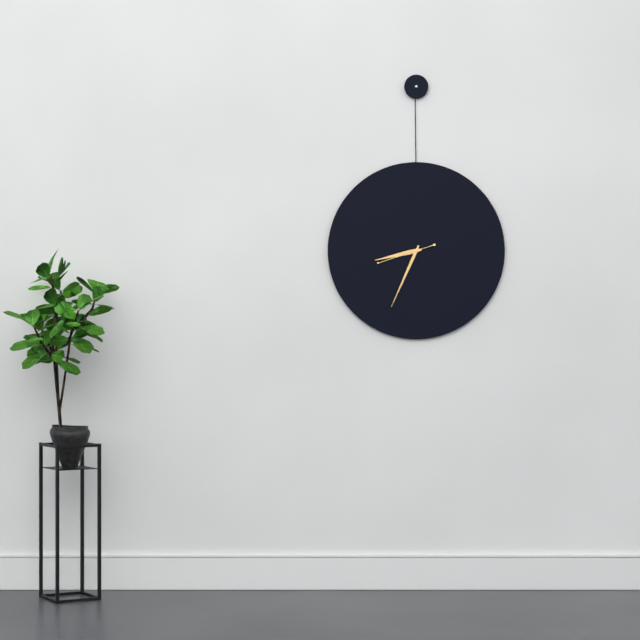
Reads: **8:34:42**
